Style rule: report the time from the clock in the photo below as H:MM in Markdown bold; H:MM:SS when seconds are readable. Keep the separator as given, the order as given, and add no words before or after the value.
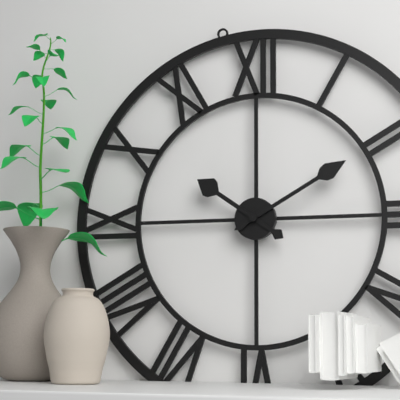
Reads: **10:10**
